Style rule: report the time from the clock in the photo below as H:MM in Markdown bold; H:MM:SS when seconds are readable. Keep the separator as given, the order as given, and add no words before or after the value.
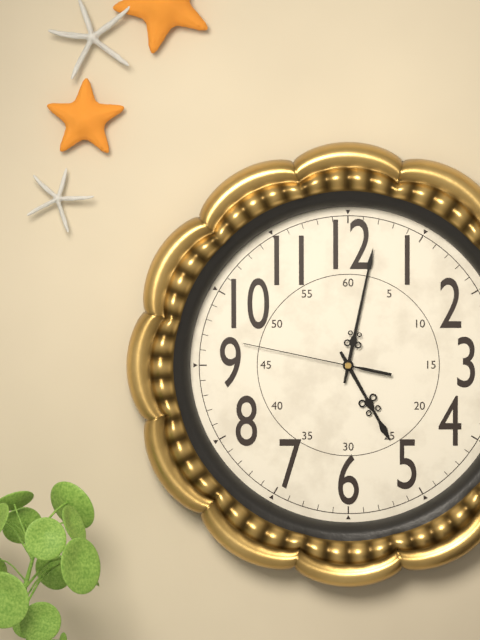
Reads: **5:02:47**
